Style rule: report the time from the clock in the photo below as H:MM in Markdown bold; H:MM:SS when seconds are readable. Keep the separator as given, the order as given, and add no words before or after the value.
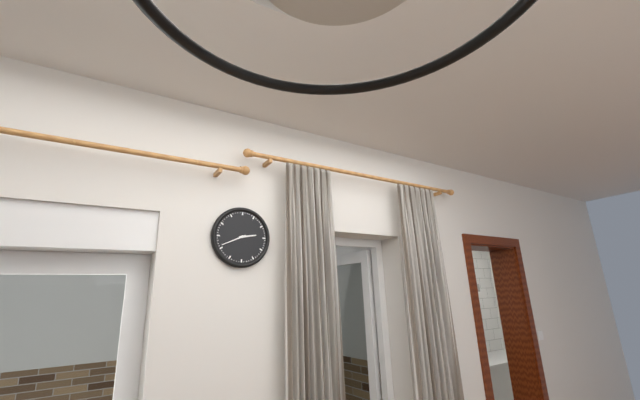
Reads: **2:41**
